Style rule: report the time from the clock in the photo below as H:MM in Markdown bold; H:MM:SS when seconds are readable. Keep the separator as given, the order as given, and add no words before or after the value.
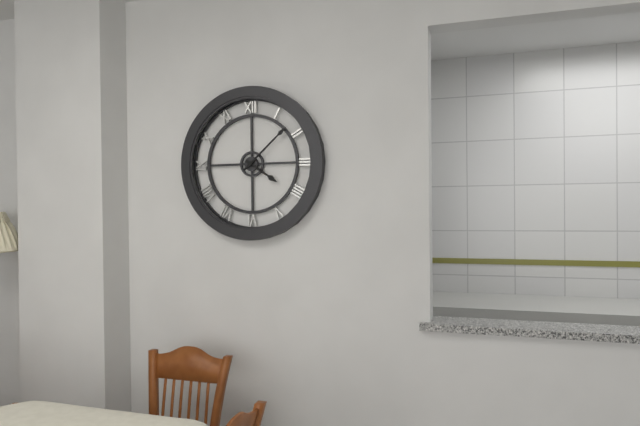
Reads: **4:08**
